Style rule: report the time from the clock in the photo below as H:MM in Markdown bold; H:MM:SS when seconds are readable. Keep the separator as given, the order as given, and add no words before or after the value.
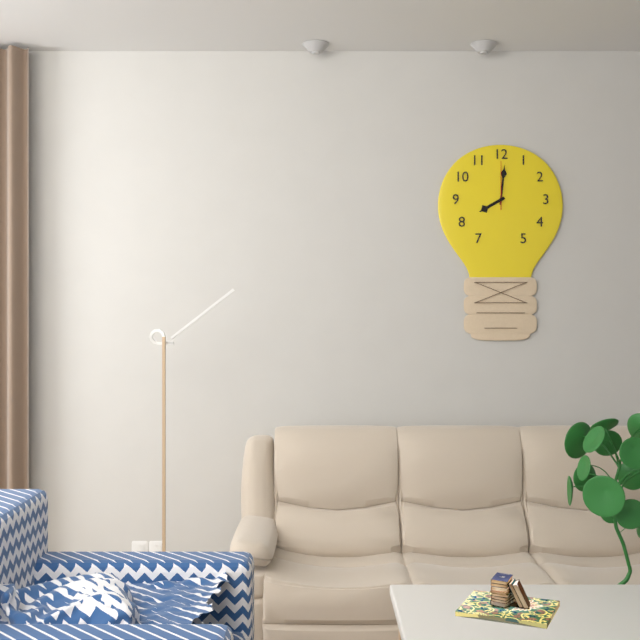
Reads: **8:01**
